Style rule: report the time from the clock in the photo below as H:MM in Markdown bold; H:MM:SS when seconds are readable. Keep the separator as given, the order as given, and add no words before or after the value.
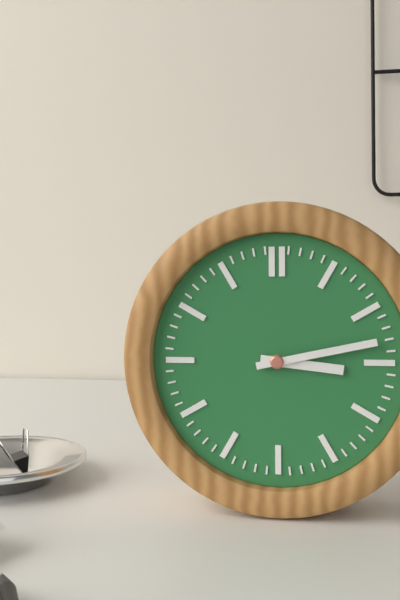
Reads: **3:13**
